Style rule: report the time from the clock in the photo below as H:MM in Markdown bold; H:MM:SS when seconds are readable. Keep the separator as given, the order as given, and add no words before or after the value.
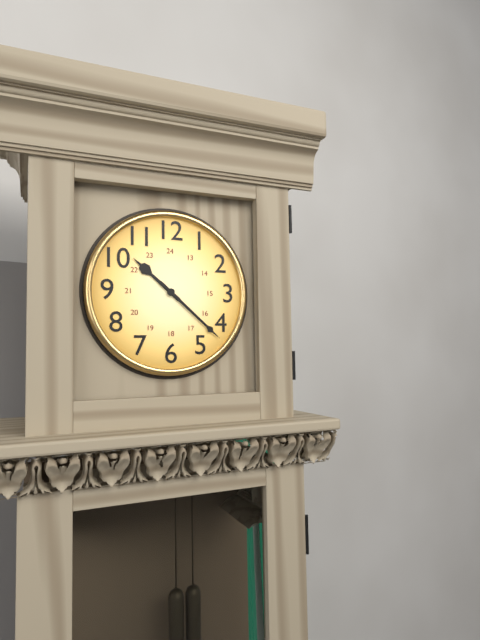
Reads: **10:22**
